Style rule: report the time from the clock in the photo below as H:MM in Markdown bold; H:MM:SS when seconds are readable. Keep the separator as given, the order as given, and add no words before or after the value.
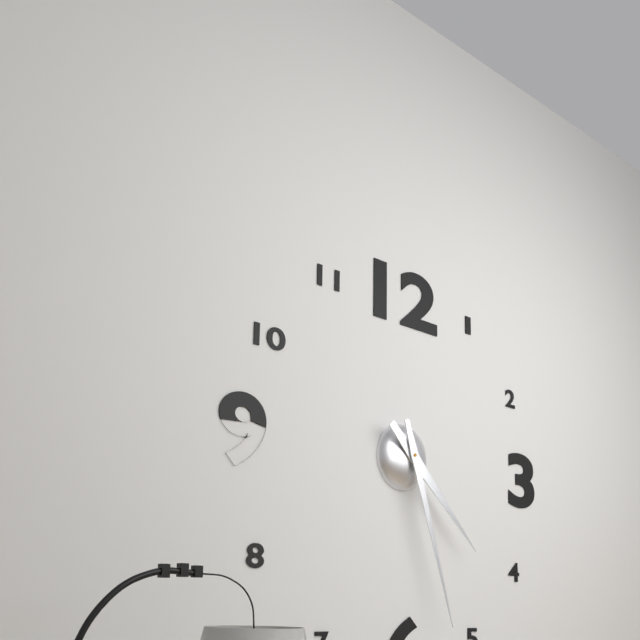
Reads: **4:27**
